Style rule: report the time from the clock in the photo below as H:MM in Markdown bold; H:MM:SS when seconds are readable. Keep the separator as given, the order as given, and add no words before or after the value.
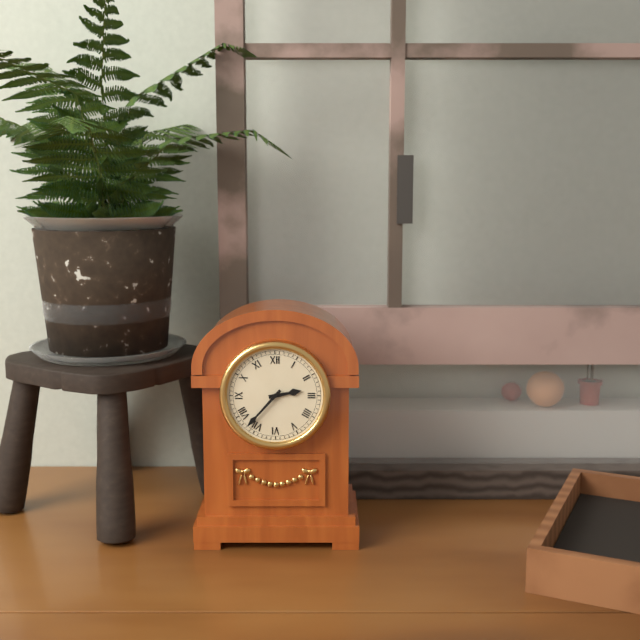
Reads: **2:37**
